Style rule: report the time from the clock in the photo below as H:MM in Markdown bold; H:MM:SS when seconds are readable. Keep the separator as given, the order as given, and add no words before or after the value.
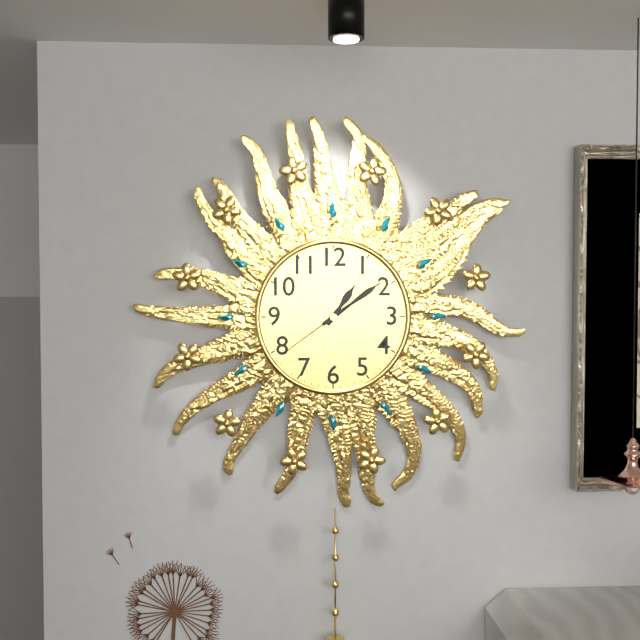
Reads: **1:09:39**
